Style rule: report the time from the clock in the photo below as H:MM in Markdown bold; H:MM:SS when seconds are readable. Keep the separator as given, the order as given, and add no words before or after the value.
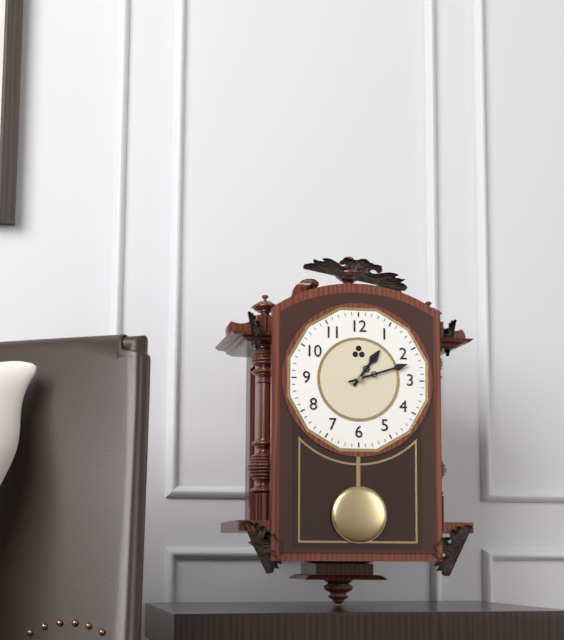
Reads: **1:12**
